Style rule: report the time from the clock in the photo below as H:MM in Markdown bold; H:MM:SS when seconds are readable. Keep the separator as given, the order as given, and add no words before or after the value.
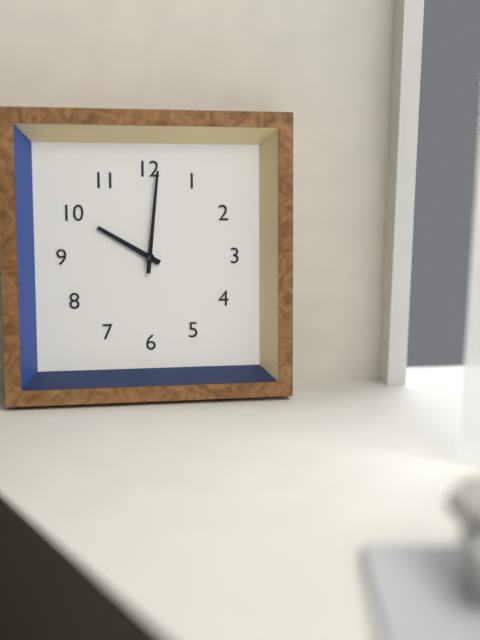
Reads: **10:01**
